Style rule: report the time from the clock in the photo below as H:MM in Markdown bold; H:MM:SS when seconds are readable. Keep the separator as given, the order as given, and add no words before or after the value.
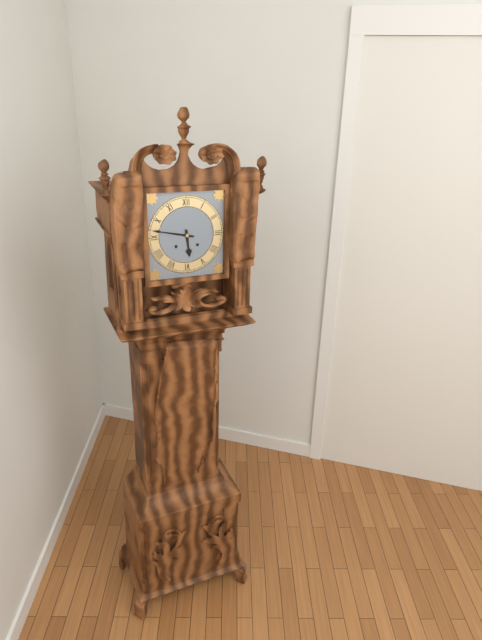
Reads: **5:47**
